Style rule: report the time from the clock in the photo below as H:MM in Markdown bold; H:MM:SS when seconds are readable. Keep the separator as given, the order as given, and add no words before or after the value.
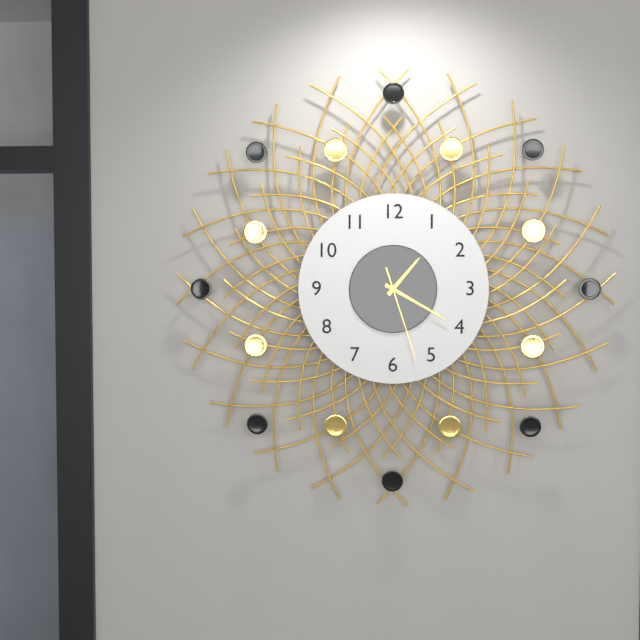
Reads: **1:20:27**
